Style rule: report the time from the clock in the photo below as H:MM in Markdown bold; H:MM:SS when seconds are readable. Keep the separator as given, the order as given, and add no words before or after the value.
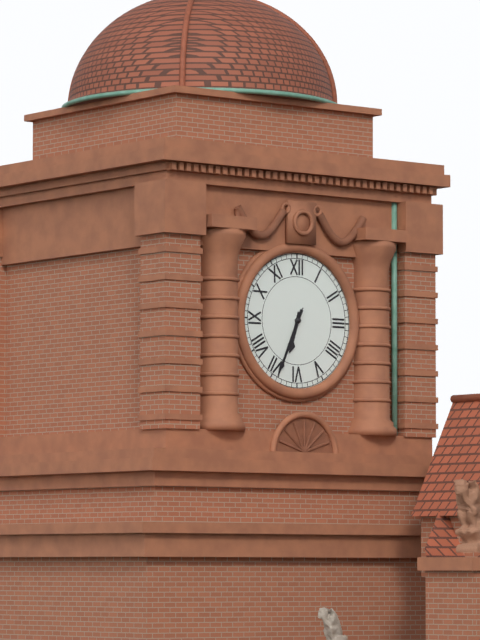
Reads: **6:34:34**
